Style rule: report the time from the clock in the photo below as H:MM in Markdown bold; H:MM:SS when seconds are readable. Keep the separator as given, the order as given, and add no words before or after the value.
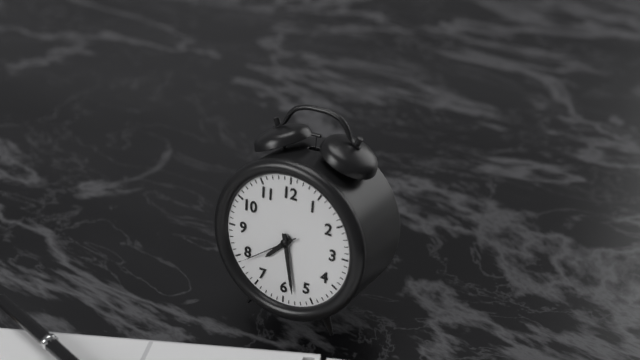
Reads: **7:28:39**
